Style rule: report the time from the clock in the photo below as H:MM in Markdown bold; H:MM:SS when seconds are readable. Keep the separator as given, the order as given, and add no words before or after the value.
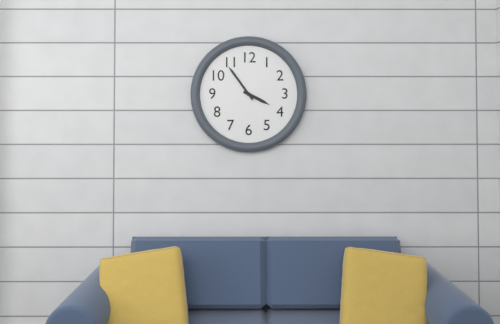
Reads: **3:54**
